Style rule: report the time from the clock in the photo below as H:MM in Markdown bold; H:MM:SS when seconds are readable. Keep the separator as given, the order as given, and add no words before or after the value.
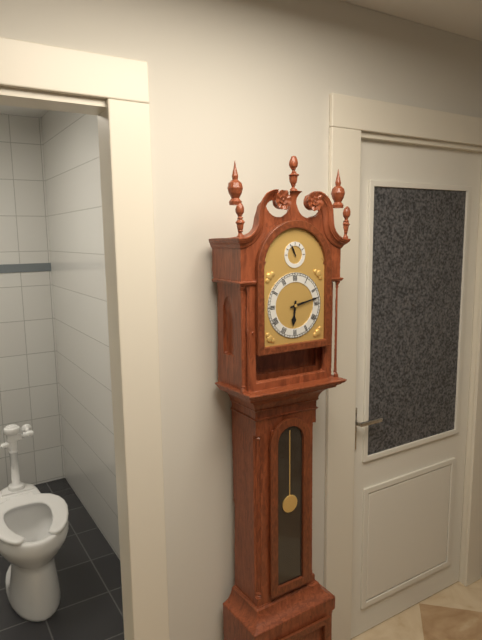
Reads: **6:13**
